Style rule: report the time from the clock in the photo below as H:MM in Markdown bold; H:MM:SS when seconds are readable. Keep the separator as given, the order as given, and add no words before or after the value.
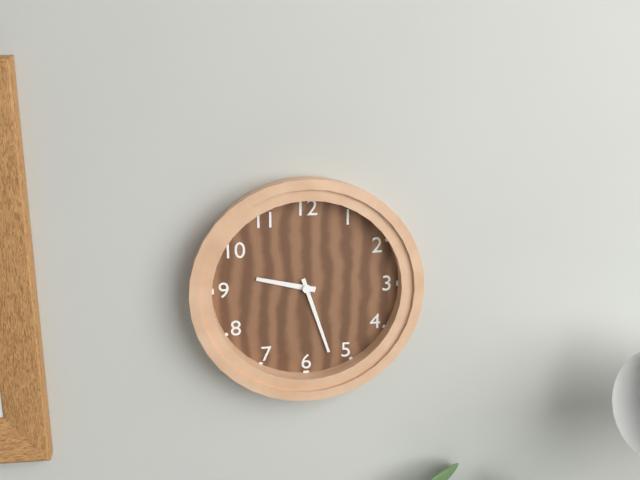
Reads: **9:27**
